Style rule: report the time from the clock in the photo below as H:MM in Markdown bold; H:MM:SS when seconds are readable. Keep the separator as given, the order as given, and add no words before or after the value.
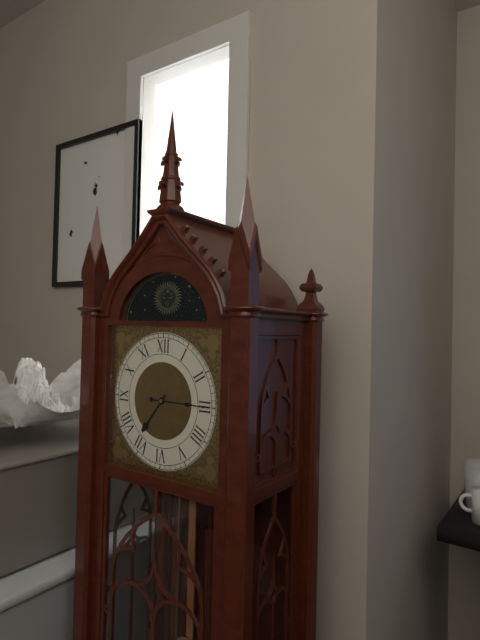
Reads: **7:15**
